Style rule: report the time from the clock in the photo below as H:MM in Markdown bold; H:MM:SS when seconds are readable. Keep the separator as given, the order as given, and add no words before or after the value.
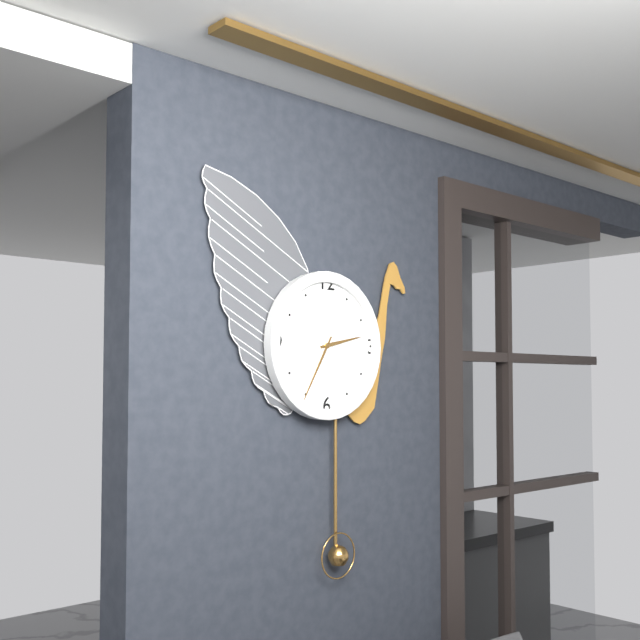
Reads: **2:35**
